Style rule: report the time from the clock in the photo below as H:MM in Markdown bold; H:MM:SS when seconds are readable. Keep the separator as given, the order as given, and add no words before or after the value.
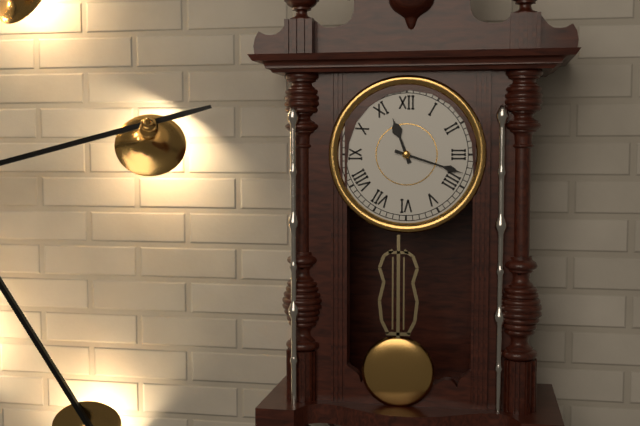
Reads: **11:18**
